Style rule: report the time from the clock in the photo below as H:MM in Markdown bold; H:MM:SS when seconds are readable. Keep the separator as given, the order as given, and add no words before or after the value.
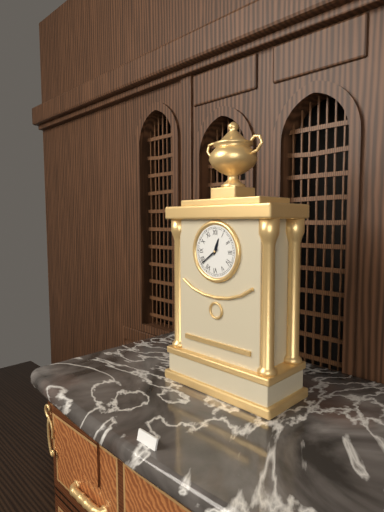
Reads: **12:39**
